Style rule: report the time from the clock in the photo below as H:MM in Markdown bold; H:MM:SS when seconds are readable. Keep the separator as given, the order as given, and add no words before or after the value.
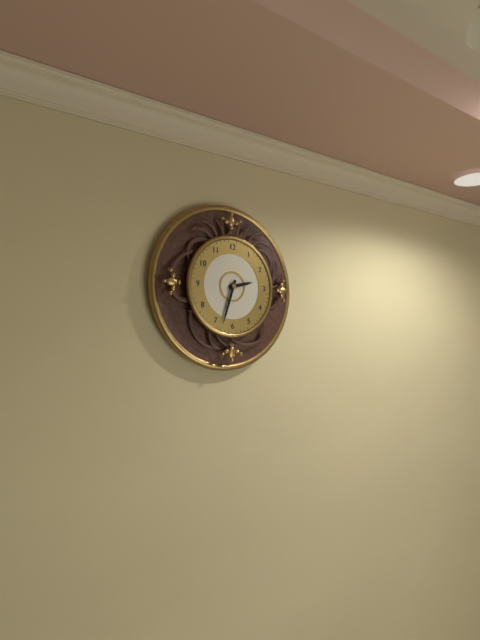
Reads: **2:33**
